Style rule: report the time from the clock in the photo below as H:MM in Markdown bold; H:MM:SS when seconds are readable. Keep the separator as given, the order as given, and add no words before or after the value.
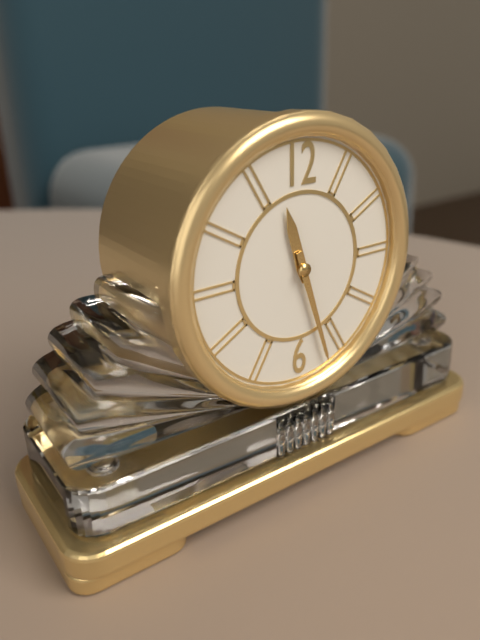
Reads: **11:27**
